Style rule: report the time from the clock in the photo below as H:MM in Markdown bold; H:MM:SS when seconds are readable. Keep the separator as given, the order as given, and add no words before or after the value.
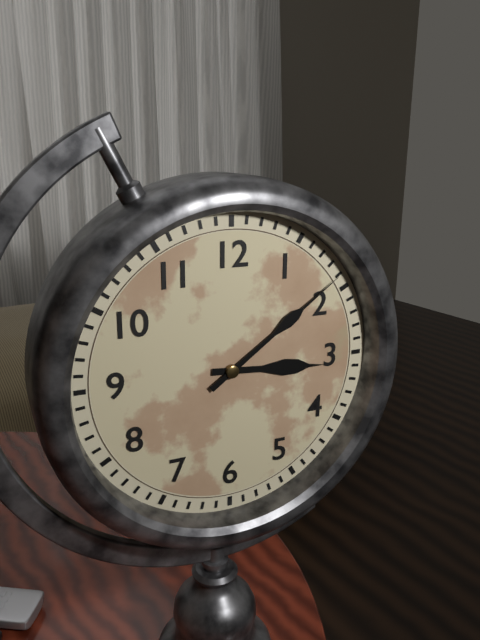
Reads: **3:09**
